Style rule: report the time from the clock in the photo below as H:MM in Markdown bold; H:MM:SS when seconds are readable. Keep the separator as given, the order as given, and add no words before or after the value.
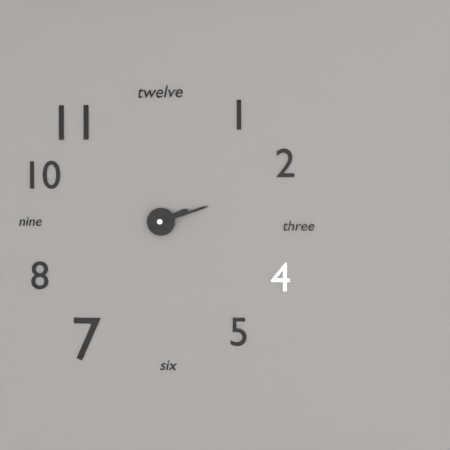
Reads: **2:12**
